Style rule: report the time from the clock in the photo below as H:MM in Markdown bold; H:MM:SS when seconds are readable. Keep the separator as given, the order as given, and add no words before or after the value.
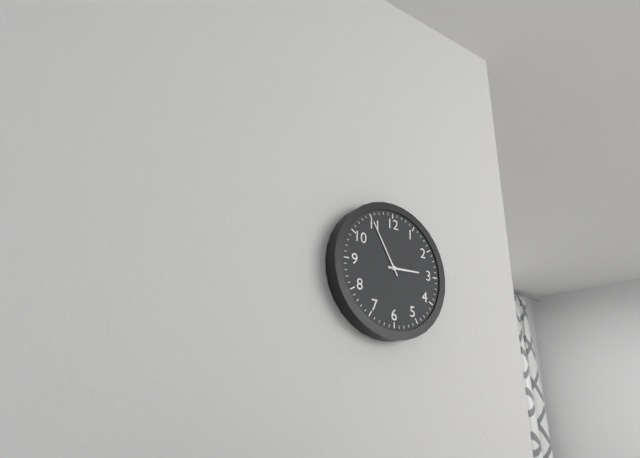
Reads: **2:55**
